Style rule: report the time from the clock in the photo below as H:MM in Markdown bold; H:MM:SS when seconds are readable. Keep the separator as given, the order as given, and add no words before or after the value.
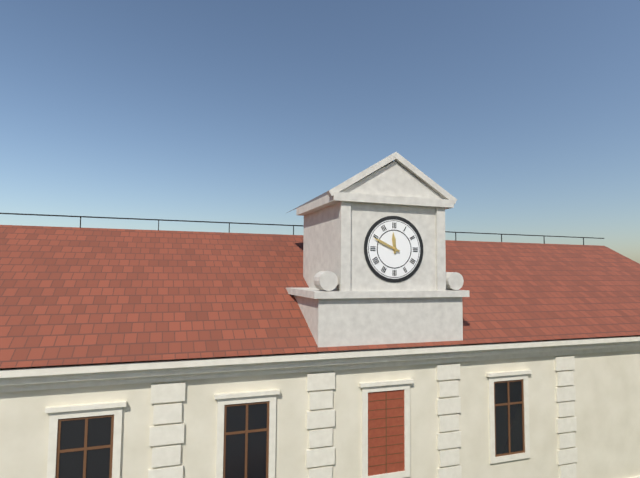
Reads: **11:49**
